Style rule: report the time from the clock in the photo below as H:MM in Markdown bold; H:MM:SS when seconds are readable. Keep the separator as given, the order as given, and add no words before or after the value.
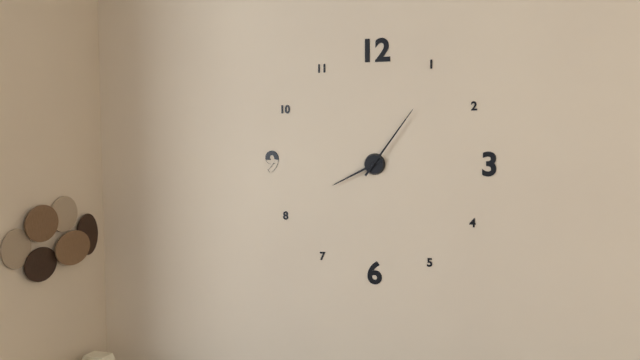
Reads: **8:06**
